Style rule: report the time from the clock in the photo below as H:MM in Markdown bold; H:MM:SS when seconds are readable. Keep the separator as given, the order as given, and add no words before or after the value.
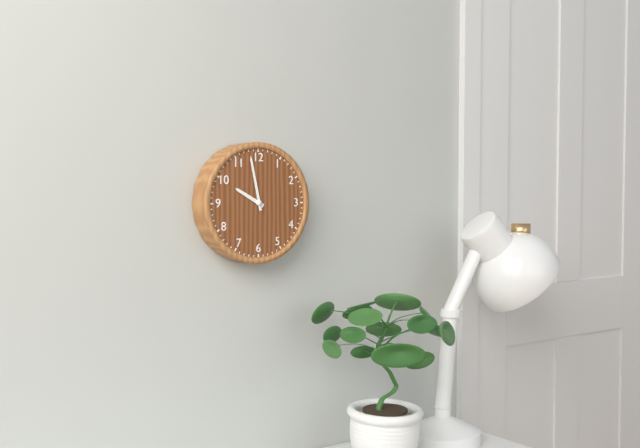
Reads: **9:58**
